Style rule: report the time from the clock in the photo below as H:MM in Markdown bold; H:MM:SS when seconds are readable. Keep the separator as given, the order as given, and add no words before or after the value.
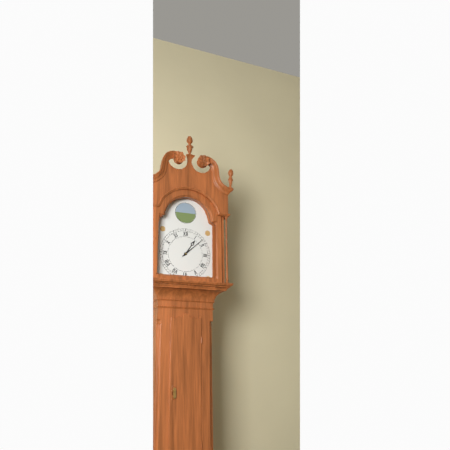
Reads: **1:08**
